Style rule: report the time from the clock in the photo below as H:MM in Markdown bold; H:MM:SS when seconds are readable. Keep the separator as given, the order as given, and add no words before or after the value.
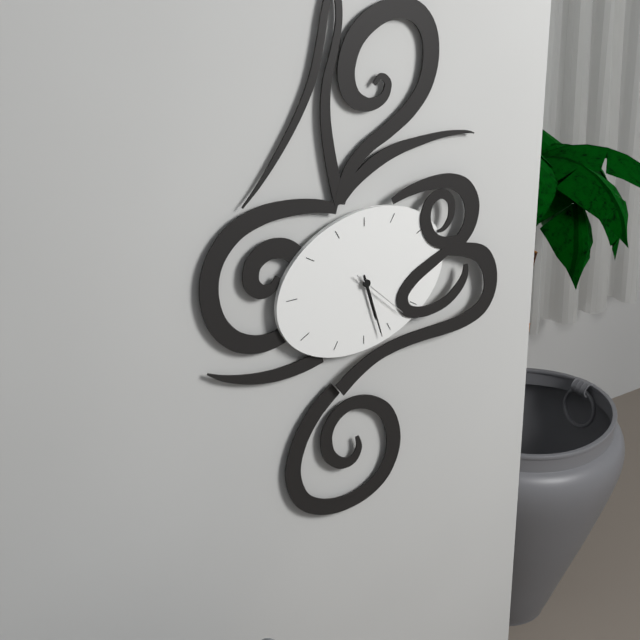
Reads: **5:27:22**
